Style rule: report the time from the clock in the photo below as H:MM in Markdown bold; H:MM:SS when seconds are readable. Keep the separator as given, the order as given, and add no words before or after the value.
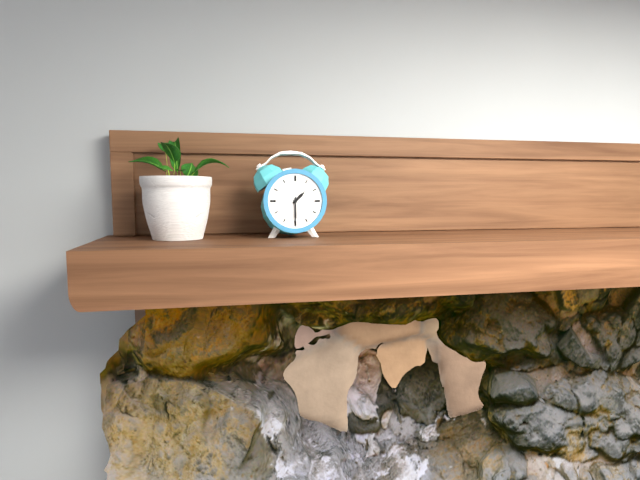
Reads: **1:30**
